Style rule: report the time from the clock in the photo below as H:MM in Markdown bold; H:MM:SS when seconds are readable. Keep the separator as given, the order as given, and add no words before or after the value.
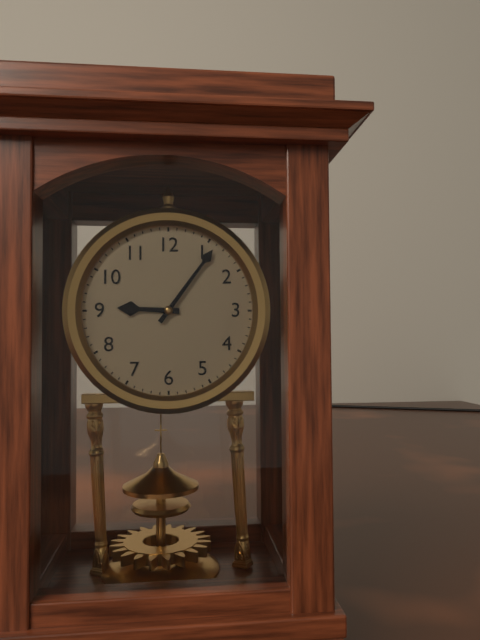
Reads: **9:06**
